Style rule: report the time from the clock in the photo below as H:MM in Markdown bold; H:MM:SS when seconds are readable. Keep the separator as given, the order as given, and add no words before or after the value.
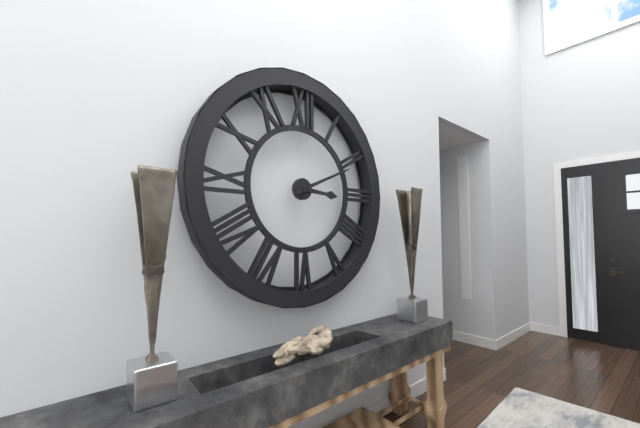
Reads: **3:11**
